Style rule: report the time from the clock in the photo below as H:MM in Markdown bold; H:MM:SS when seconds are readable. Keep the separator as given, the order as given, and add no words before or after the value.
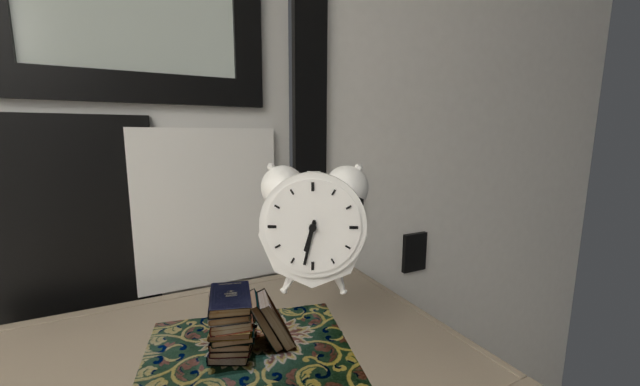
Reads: **6:32**
